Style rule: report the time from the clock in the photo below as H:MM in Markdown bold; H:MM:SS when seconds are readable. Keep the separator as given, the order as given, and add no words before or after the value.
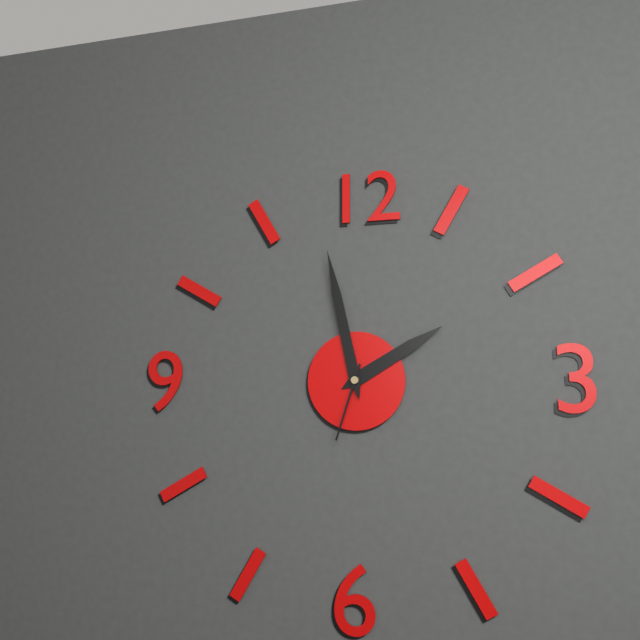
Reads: **1:58:33**
